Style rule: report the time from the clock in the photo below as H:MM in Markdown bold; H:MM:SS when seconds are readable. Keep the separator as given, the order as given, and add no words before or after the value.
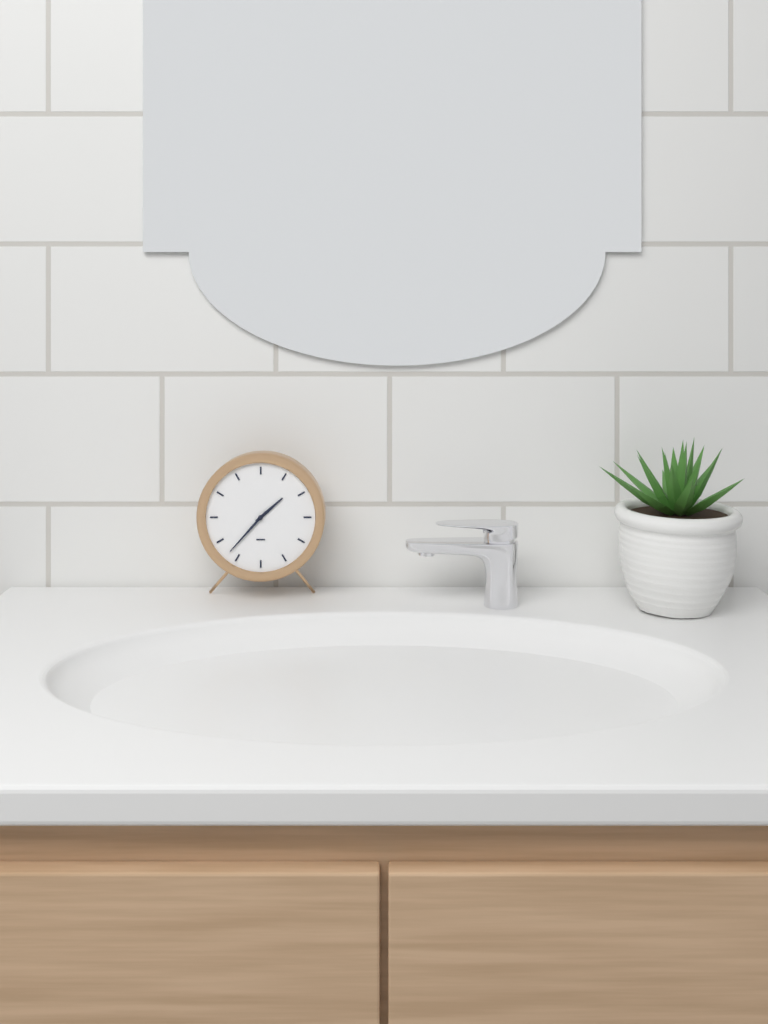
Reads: **1:37**
